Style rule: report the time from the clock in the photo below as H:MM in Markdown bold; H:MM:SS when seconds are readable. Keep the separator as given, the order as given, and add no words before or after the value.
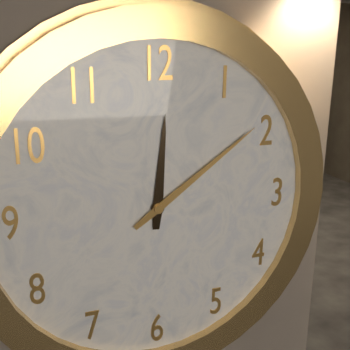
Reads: **12:09**
